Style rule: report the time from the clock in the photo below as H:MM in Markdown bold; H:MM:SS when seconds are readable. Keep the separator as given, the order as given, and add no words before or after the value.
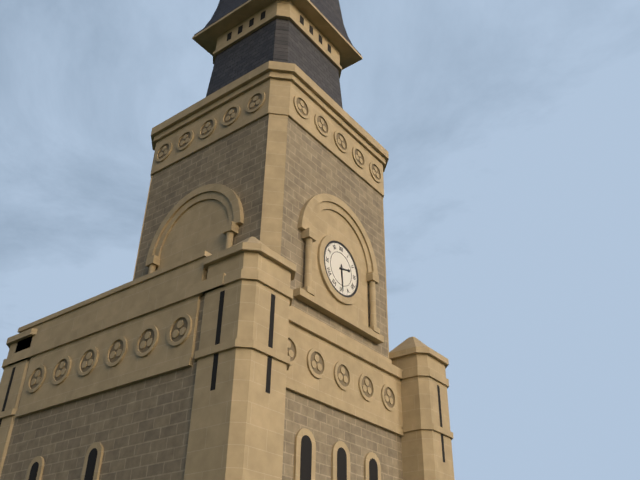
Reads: **2:29**
